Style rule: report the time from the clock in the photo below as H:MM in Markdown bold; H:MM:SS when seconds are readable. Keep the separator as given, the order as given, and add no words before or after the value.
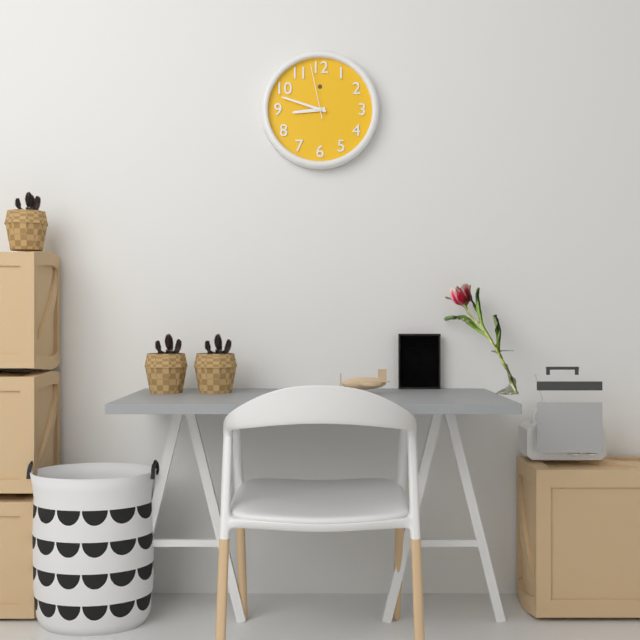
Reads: **8:48:58**
